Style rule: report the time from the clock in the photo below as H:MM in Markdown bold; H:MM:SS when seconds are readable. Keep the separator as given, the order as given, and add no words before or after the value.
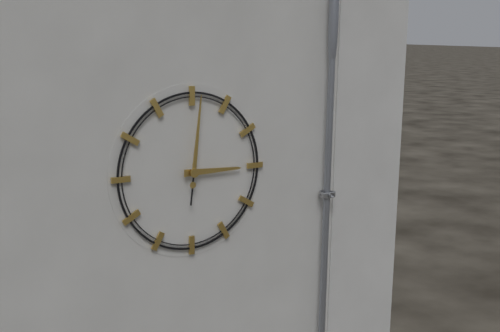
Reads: **3:01**
